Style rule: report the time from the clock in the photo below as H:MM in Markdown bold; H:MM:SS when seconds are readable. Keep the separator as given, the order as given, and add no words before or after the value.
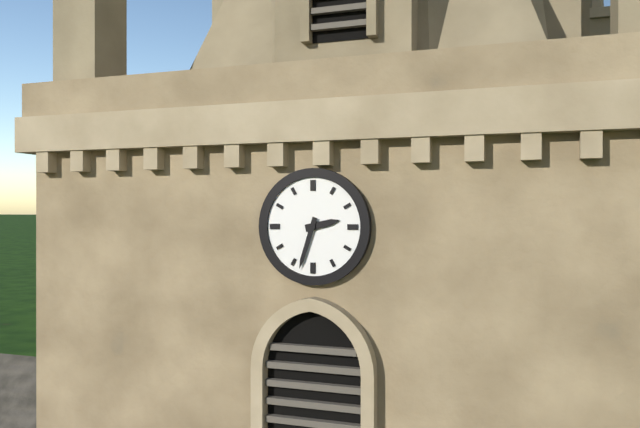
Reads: **2:33**
